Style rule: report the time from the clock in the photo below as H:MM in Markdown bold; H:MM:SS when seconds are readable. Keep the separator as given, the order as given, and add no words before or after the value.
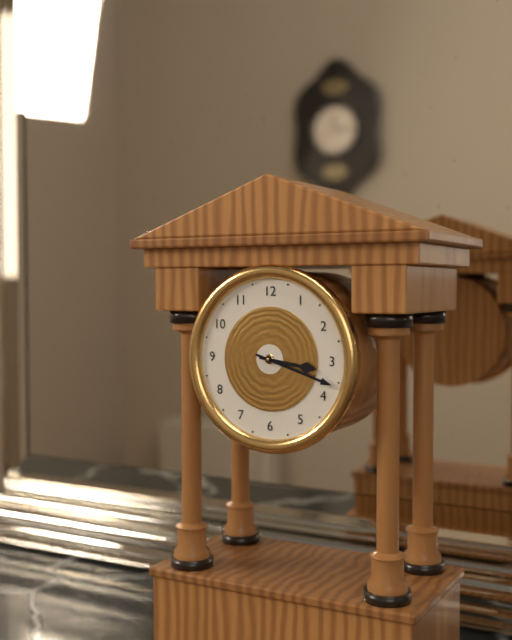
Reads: **3:18**
